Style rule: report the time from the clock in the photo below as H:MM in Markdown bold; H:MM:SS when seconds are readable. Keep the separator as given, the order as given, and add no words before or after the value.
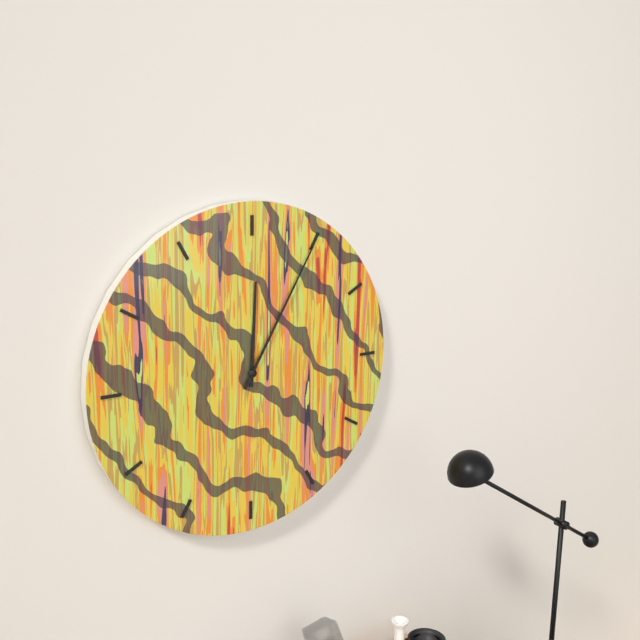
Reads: **12:05**
